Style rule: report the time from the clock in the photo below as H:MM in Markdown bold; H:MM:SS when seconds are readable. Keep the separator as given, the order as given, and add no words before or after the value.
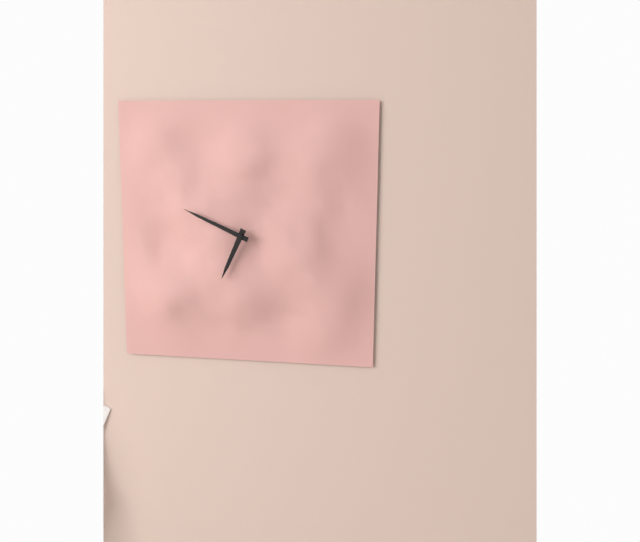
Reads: **6:49**
